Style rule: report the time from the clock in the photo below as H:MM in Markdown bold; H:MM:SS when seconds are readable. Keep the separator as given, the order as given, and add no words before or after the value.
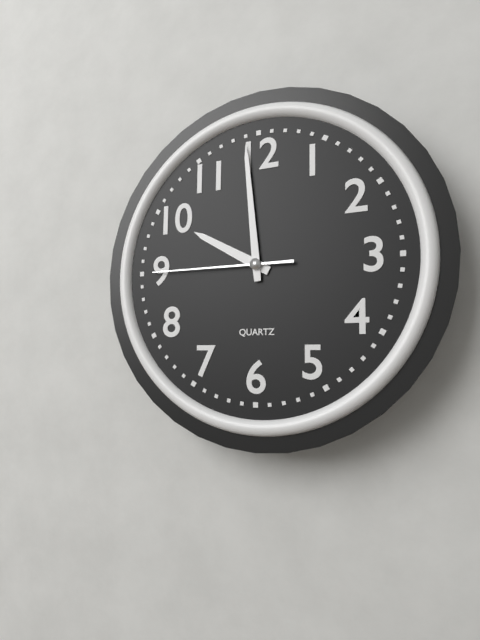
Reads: **9:59:45**
